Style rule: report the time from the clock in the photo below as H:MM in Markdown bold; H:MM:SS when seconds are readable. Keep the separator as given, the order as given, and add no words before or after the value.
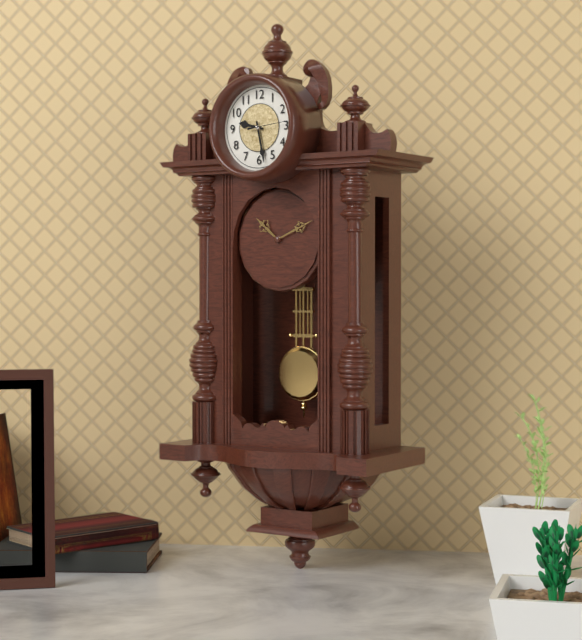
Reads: **9:28**
